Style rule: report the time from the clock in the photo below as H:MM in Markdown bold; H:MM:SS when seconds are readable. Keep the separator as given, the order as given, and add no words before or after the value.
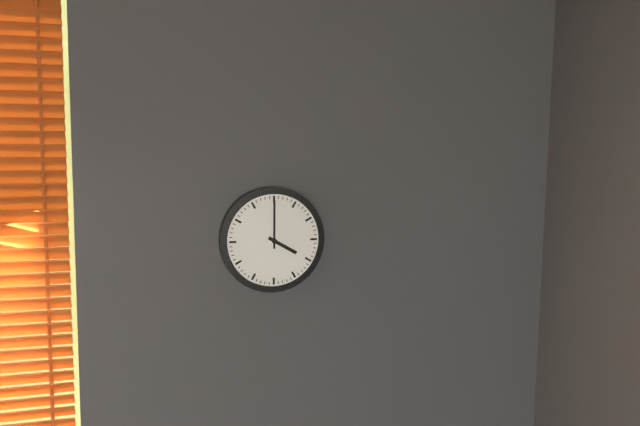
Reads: **4:00**
